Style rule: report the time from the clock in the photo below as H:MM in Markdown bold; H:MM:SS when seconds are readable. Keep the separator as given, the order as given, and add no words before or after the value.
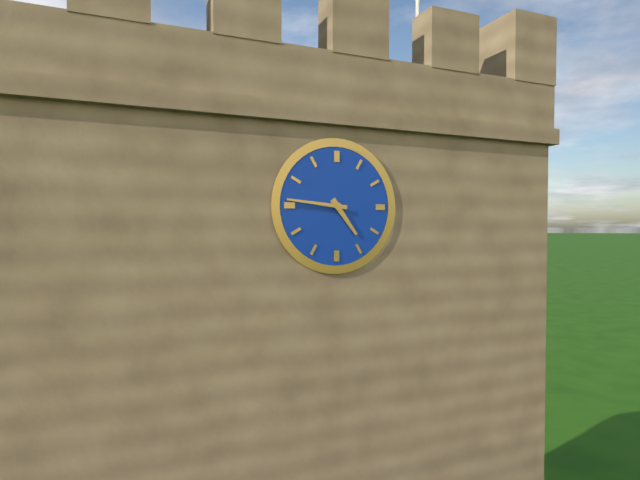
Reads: **4:46**
